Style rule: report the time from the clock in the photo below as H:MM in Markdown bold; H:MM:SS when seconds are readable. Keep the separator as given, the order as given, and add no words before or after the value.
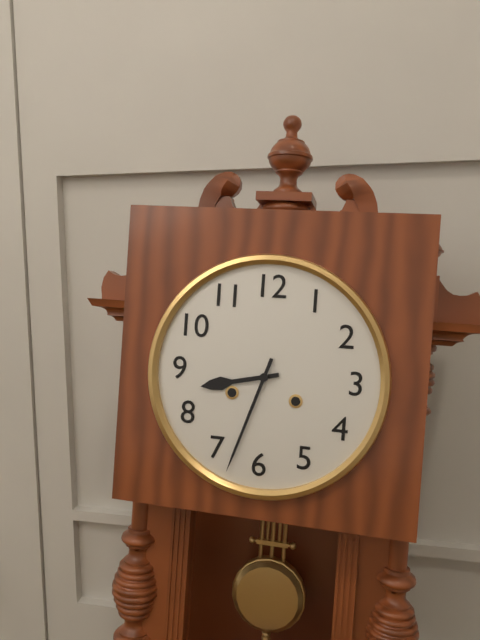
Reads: **8:33**
